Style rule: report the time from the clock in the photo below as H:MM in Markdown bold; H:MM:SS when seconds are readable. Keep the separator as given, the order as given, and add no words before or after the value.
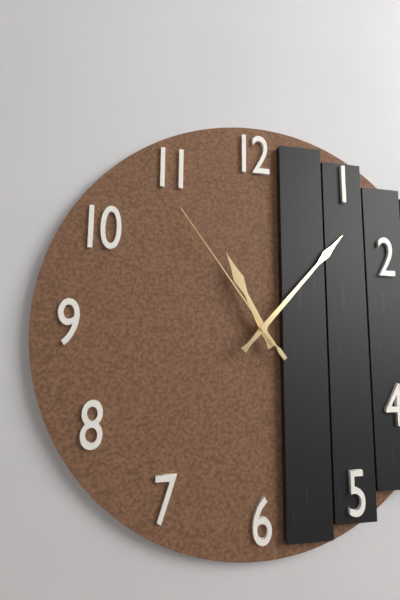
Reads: **11:07:54**
